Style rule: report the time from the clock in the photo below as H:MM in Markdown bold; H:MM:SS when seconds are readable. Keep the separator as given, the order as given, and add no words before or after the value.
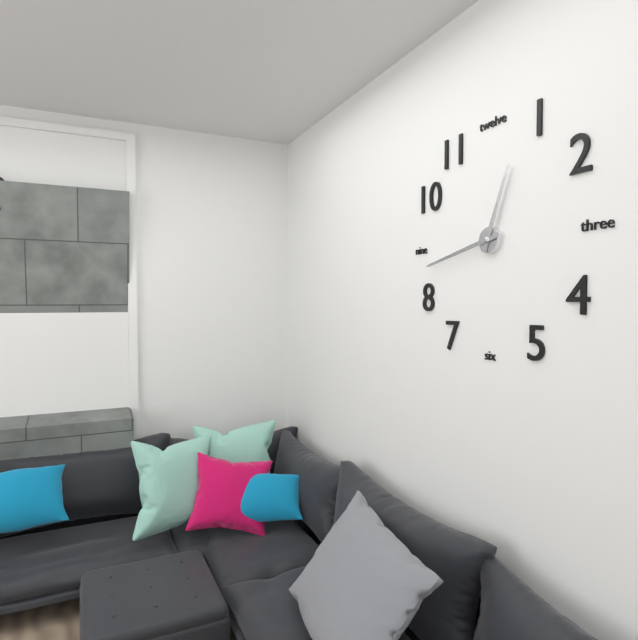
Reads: **12:43**
